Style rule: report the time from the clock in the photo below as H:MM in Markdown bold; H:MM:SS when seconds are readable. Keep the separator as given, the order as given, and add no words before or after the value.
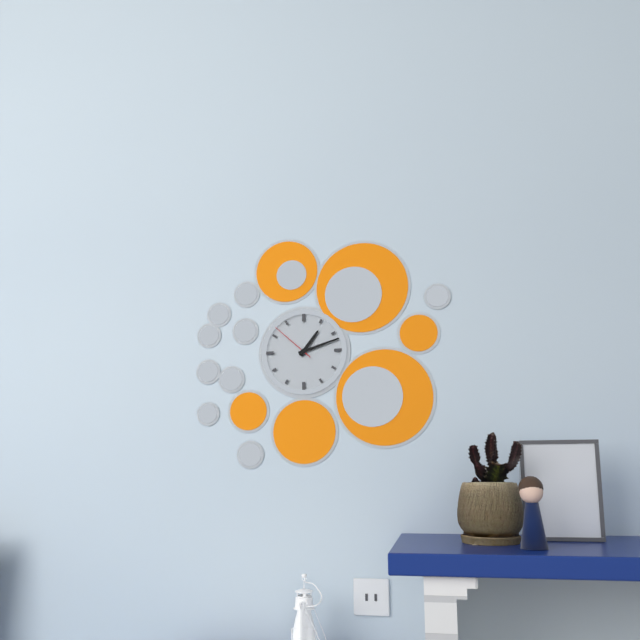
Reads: **1:12**
